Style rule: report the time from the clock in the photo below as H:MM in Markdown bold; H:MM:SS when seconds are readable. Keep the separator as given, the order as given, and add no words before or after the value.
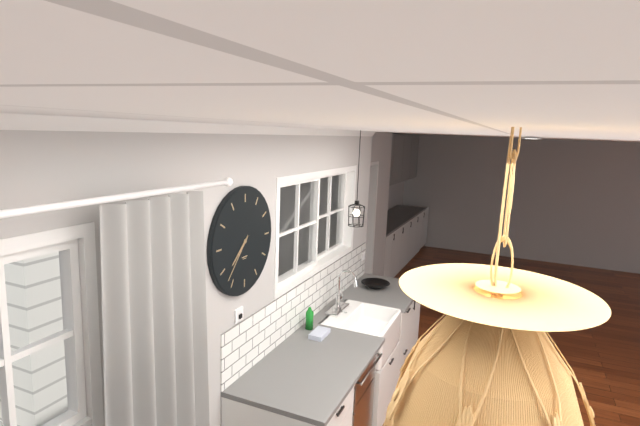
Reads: **7:37**
